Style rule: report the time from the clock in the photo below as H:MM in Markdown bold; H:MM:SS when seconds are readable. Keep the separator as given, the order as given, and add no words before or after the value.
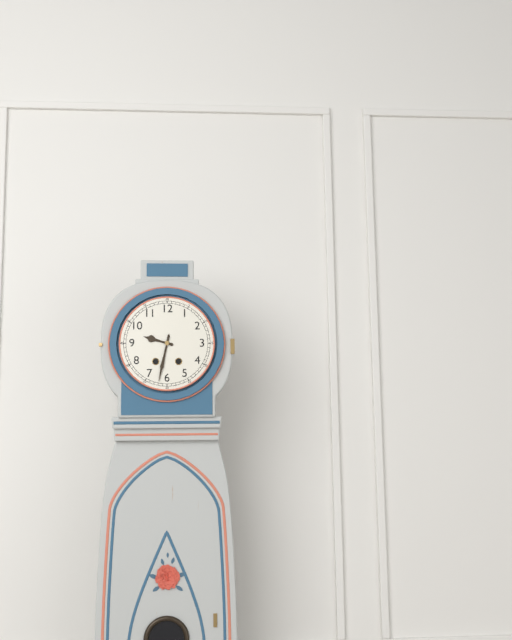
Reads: **9:32**
